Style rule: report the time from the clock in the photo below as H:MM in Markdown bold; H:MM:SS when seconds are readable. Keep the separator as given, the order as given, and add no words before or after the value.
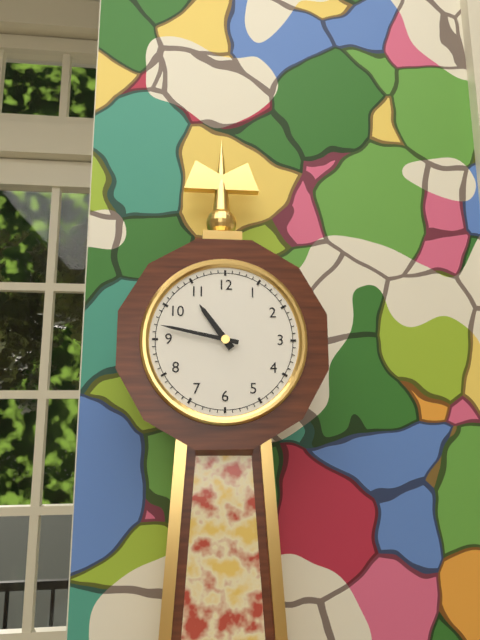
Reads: **10:47**
